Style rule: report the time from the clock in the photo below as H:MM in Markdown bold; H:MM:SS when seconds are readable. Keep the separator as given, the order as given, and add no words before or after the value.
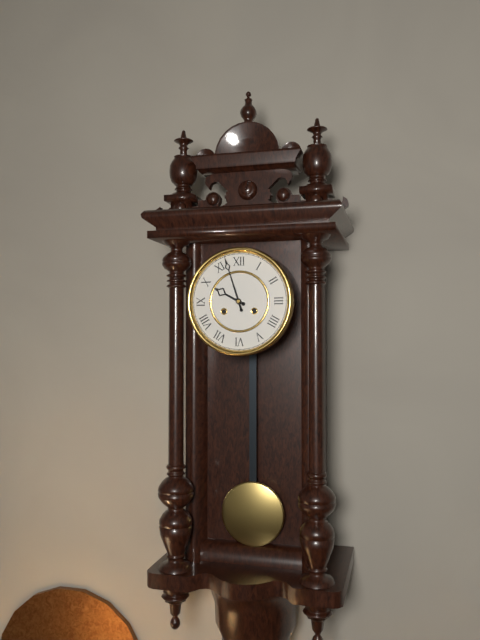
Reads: **9:57**
